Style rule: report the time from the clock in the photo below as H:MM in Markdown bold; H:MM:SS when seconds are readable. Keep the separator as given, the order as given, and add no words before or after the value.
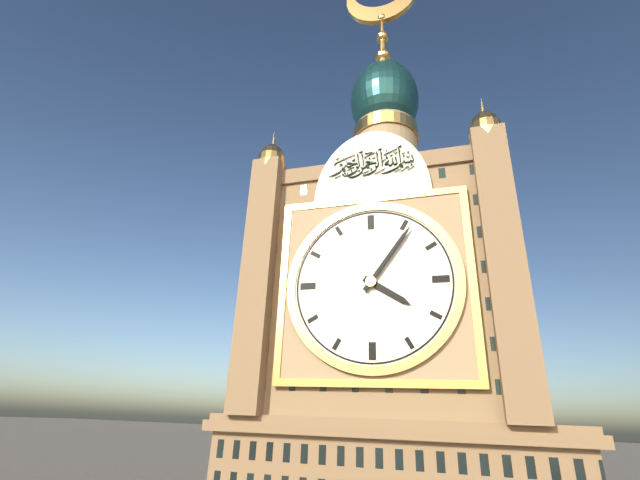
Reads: **4:06**
